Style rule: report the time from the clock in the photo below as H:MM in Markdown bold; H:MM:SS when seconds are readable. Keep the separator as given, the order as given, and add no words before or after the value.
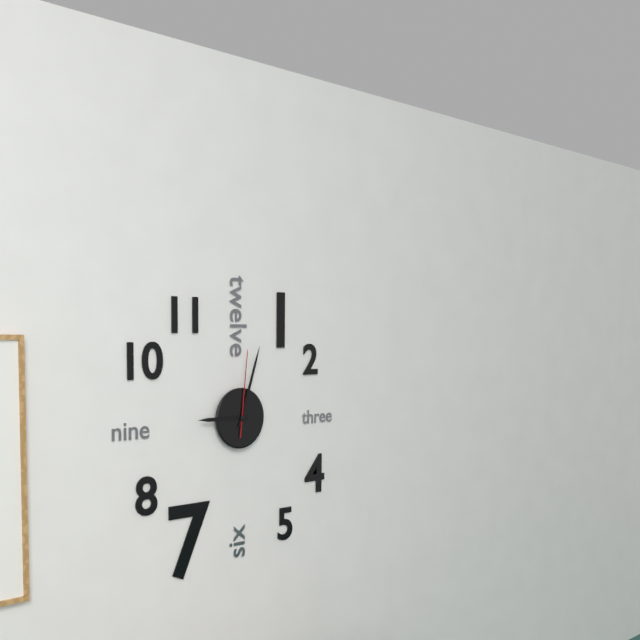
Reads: **9:03:01**
